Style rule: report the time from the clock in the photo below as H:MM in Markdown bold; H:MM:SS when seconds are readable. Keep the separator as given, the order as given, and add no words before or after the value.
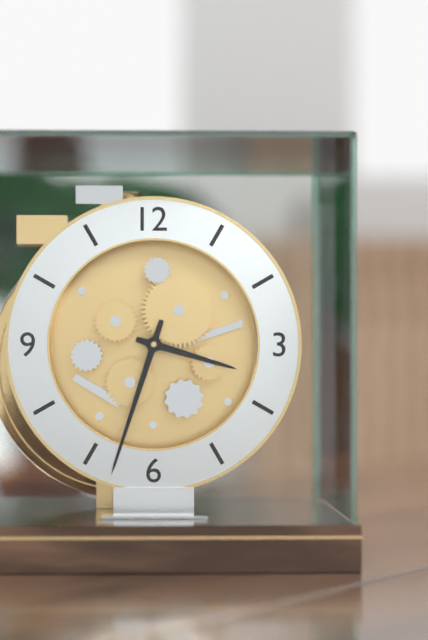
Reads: **3:33**
